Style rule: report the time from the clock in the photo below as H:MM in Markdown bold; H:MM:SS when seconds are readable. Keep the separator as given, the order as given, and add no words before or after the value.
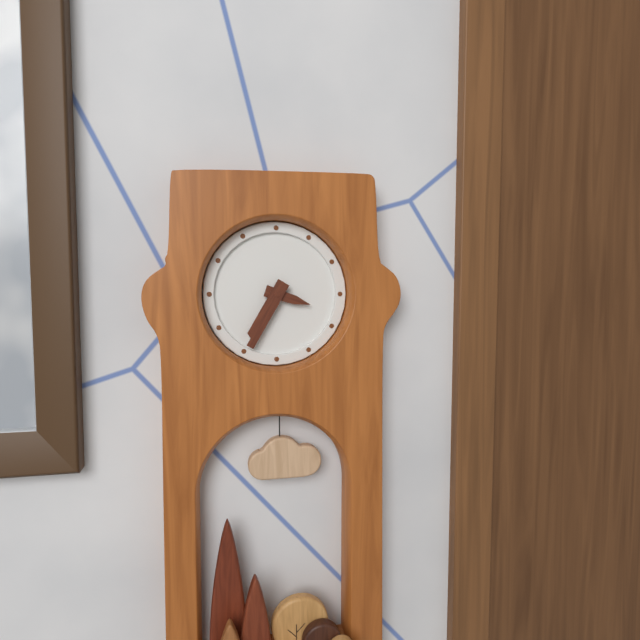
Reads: **3:35**
